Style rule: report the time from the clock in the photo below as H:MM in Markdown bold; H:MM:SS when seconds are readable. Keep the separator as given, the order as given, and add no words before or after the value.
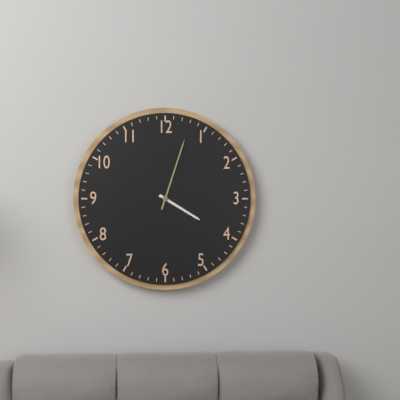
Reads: **4:03**
